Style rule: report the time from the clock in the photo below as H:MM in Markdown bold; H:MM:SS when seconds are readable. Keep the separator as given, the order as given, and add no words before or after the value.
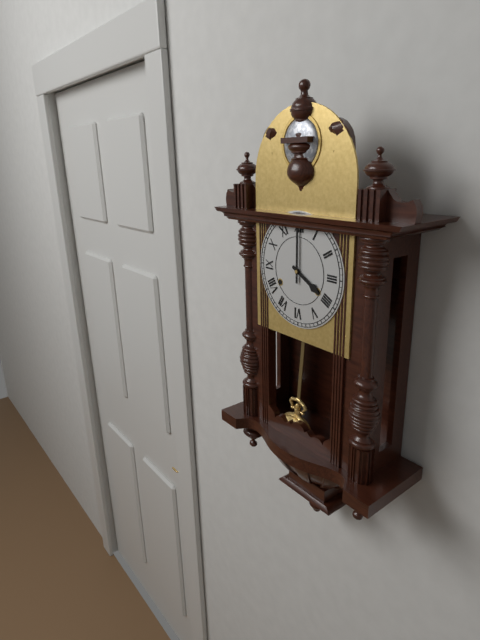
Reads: **4:00**
